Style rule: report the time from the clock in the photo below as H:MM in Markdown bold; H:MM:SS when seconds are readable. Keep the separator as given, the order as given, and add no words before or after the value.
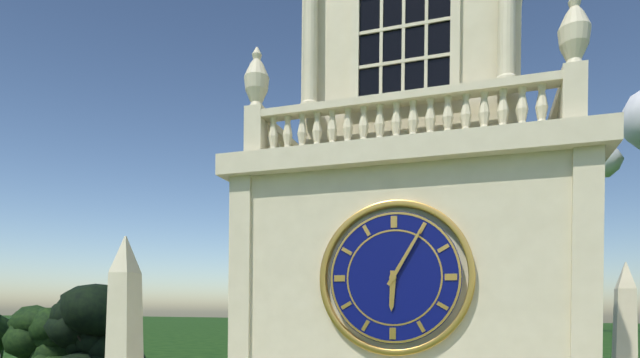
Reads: **6:05**
